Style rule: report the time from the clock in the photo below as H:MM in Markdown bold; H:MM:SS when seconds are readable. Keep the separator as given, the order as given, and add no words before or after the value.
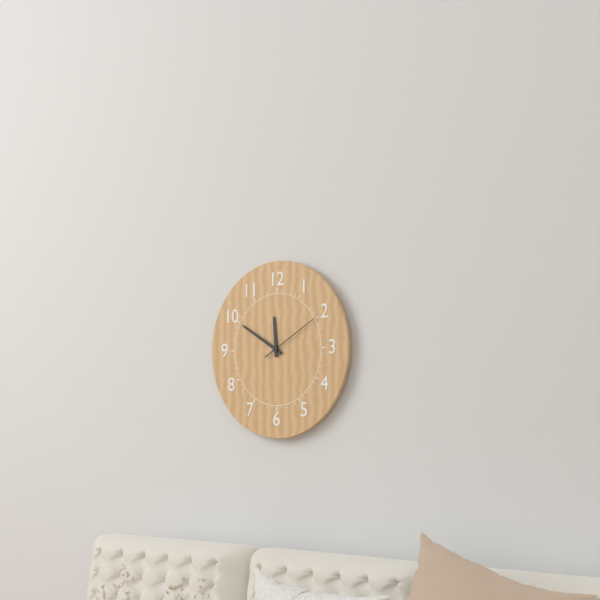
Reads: **11:50:10**
